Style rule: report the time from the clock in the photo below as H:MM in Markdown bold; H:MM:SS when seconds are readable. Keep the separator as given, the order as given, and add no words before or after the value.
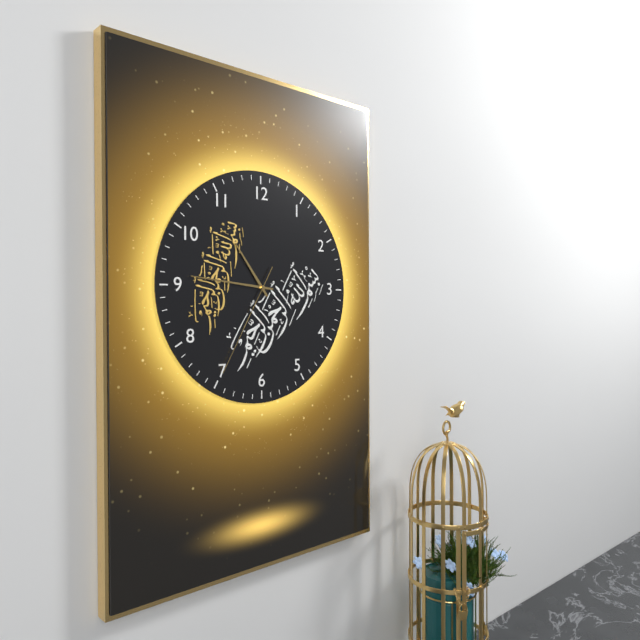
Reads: **10:46:35**
